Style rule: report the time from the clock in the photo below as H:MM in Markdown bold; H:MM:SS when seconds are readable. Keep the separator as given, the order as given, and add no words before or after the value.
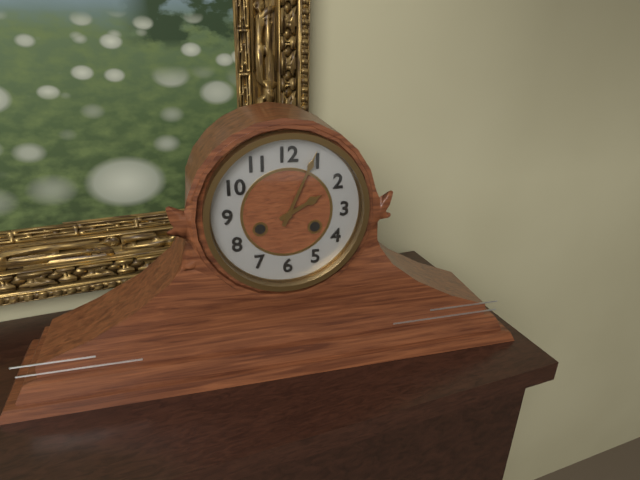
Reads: **2:04**
